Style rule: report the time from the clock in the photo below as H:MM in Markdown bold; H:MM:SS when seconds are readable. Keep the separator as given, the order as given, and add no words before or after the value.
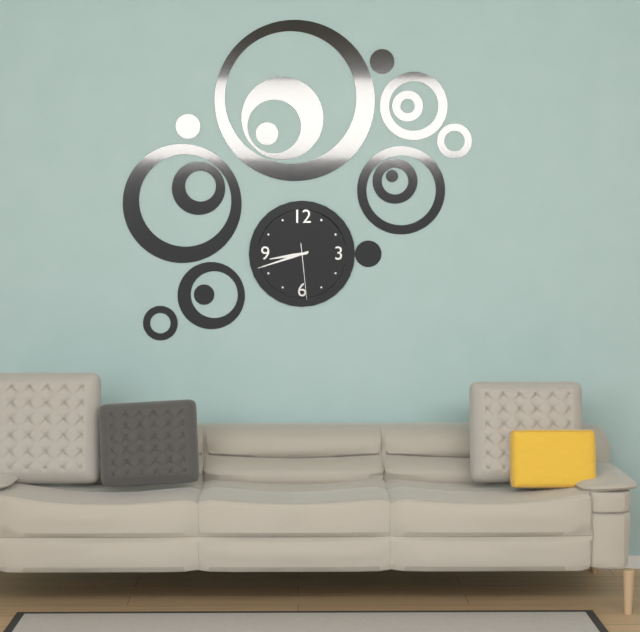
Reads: **8:42:29**
